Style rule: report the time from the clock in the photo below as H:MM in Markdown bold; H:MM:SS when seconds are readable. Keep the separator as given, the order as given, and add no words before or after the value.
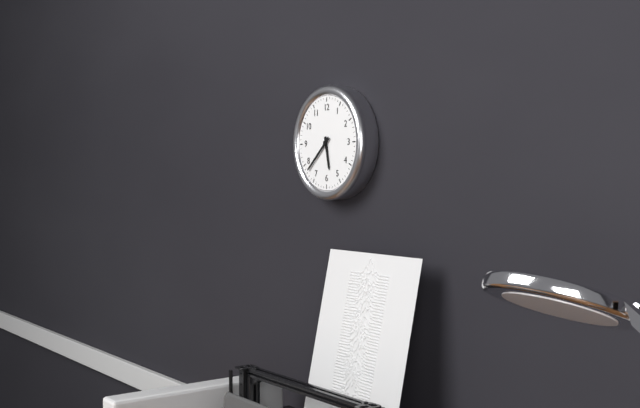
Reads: **5:38**
